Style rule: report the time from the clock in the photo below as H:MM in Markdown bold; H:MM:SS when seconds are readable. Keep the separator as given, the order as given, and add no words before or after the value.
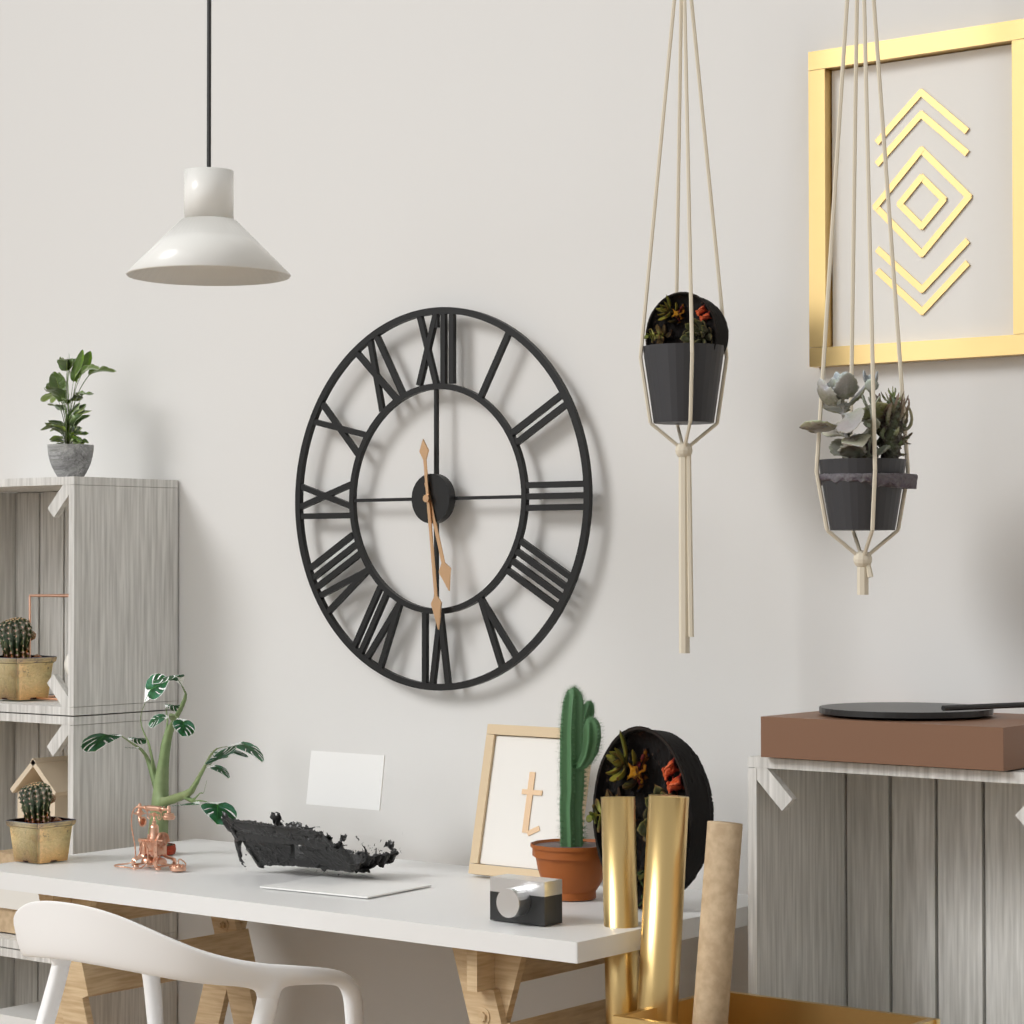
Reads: **5:29**
